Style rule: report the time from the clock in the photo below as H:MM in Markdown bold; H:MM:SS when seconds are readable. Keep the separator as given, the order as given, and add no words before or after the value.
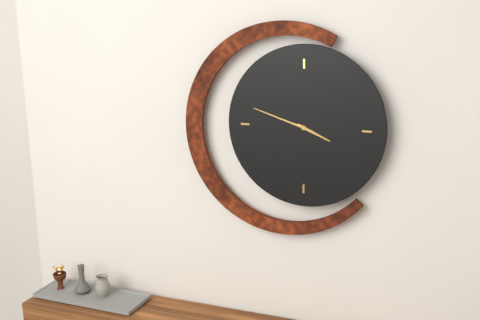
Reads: **3:48**
